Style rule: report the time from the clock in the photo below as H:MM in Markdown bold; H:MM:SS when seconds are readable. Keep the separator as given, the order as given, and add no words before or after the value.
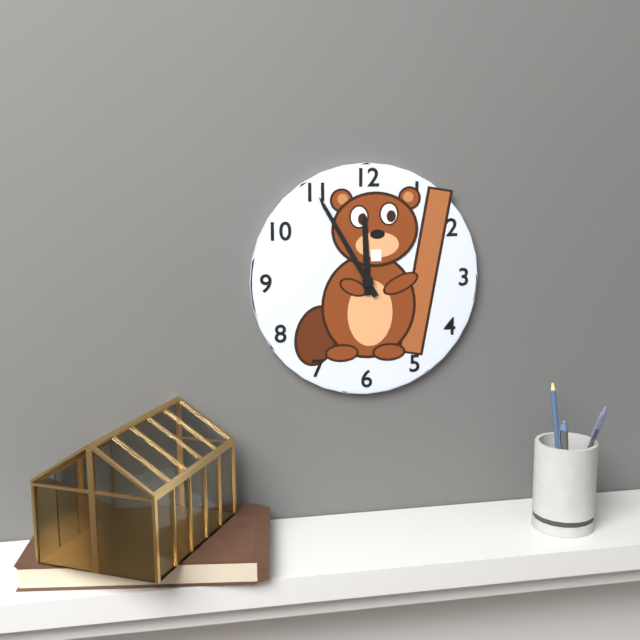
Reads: **11:55**
